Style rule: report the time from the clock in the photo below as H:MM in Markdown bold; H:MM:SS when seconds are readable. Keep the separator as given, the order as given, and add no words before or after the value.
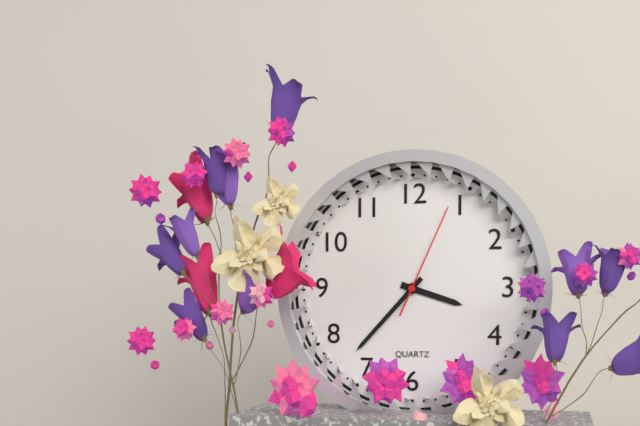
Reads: **3:37:04**
